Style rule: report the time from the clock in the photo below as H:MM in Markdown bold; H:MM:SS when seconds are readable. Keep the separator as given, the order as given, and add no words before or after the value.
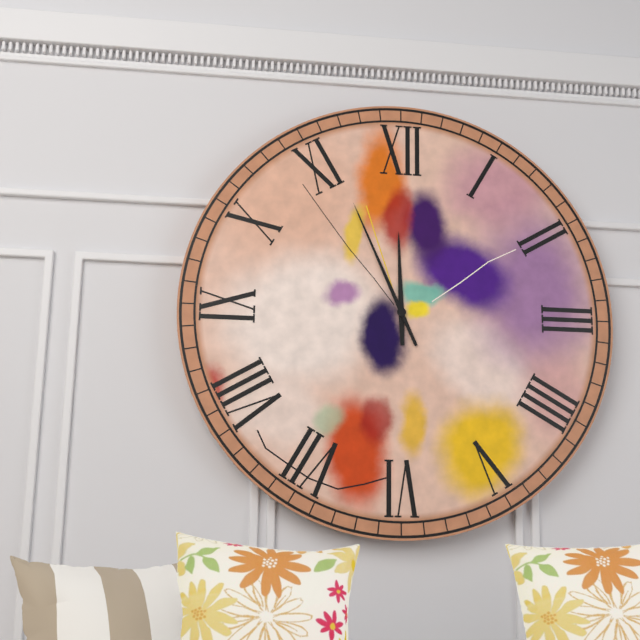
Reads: **11:56**
